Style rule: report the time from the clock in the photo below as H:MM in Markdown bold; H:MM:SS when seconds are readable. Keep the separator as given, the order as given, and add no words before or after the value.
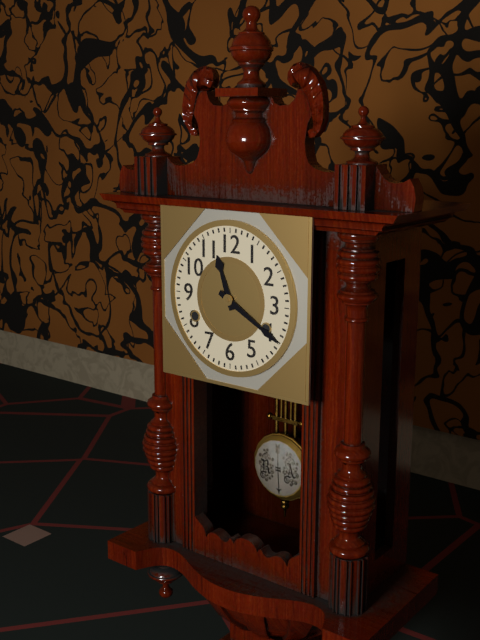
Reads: **11:20**
